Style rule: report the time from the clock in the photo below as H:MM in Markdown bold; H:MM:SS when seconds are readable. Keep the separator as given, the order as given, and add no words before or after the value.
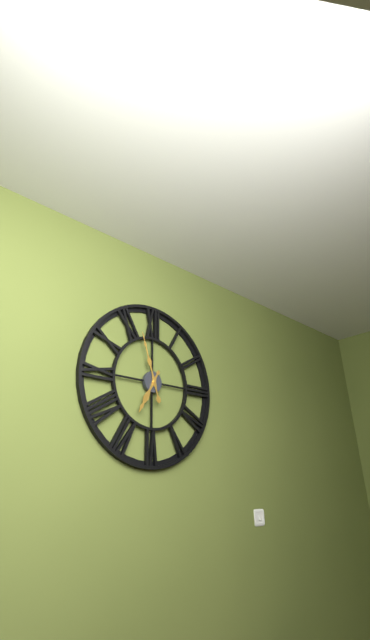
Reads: **6:57**
